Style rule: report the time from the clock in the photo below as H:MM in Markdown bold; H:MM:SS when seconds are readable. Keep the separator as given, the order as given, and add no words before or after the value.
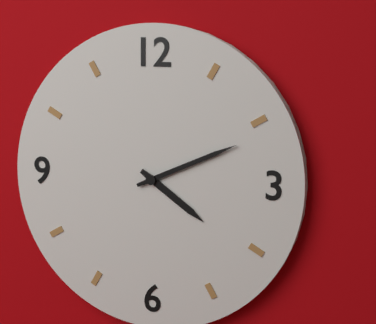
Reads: **4:11**
